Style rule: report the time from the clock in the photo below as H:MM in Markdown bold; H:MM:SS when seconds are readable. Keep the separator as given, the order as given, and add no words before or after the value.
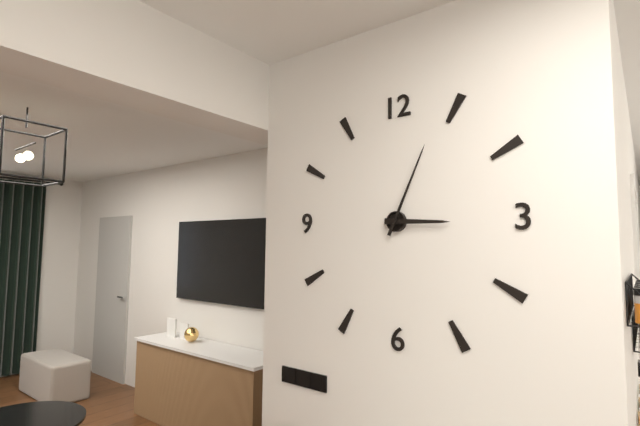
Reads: **3:04**
